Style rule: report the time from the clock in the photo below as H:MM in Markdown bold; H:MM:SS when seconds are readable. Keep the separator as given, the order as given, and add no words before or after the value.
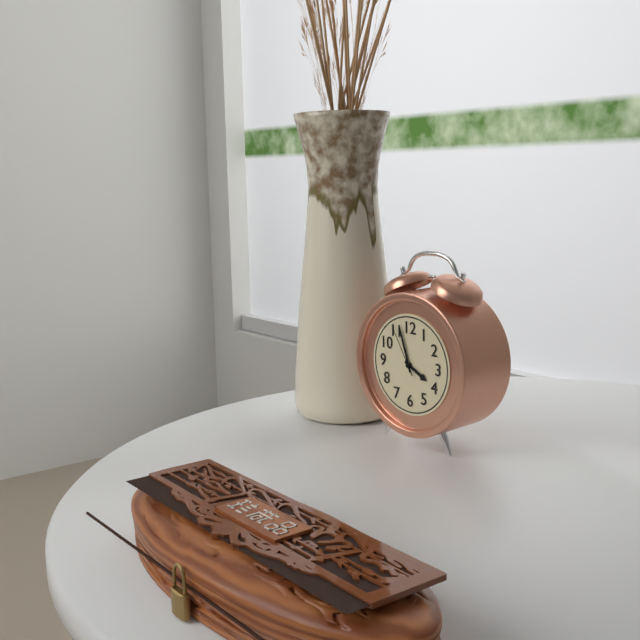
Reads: **3:57:55**
